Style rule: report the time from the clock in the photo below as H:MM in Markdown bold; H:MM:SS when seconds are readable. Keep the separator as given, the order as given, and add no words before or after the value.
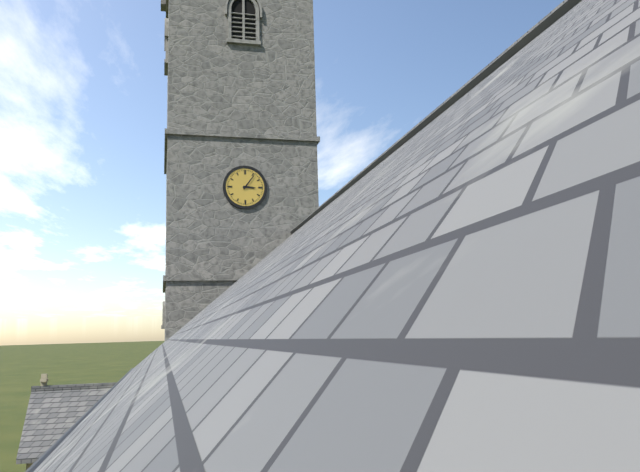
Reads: **3:06**
